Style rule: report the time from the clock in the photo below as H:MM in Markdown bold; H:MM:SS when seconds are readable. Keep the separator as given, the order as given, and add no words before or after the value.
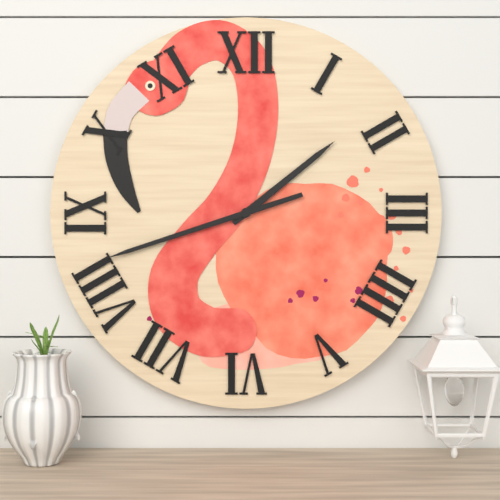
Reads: **1:42**
